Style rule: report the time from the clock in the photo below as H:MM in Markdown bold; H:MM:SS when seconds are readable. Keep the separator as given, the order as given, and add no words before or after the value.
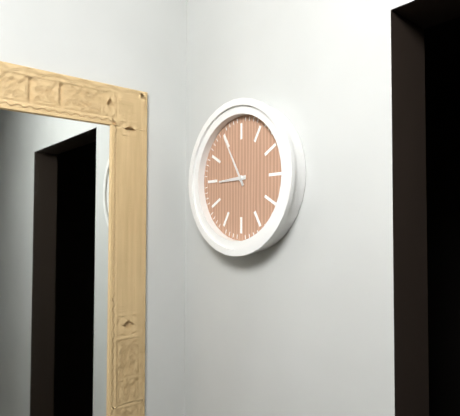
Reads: **8:55**
